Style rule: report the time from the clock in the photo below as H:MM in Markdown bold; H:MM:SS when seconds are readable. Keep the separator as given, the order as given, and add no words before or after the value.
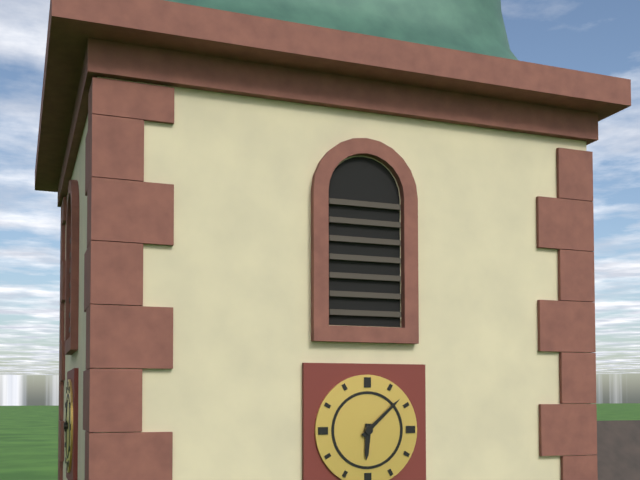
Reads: **6:08**
